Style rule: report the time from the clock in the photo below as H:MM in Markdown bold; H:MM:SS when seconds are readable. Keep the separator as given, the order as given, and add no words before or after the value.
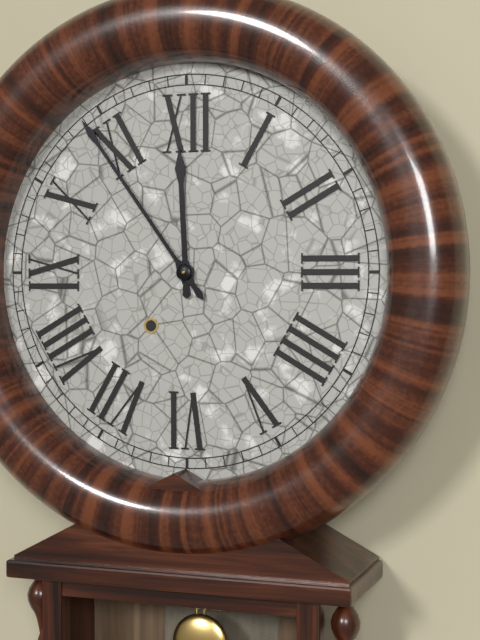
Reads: **11:54**
